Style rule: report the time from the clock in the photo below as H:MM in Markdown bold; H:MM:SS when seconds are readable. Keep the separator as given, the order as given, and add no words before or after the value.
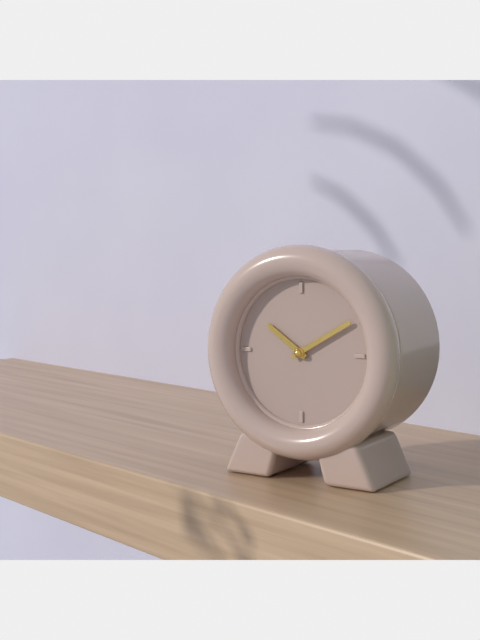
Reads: **10:10**
